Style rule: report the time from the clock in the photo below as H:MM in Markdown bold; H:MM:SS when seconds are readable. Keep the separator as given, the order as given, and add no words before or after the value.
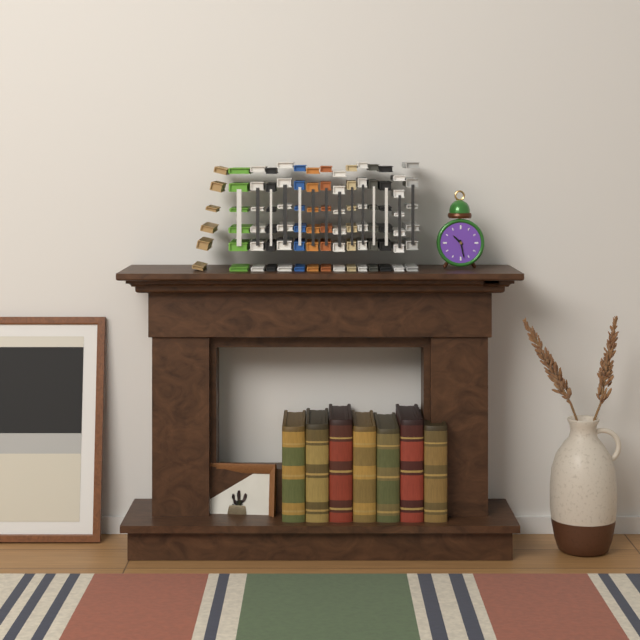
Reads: **10:28**
